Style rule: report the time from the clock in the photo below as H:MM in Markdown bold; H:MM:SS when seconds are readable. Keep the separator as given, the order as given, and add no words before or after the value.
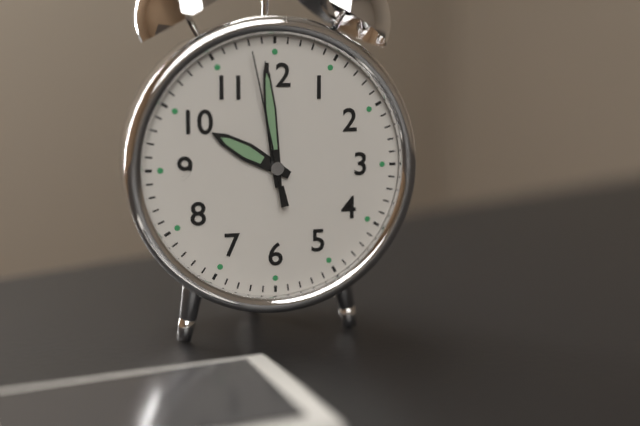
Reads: **9:59:58**
